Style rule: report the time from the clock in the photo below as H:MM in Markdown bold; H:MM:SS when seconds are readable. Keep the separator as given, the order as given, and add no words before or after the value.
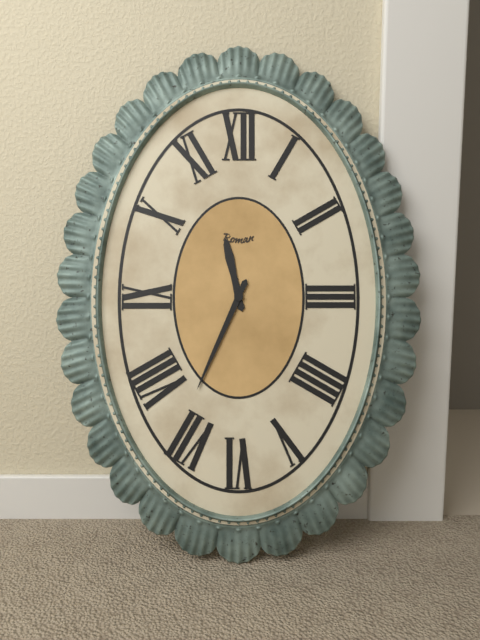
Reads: **11:34**
